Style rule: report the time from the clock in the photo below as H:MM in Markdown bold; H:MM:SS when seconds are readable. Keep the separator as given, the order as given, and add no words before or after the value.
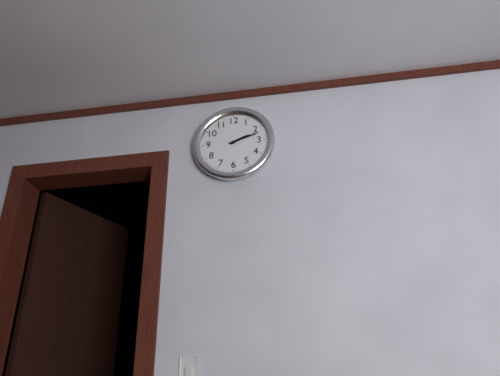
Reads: **2:12**
